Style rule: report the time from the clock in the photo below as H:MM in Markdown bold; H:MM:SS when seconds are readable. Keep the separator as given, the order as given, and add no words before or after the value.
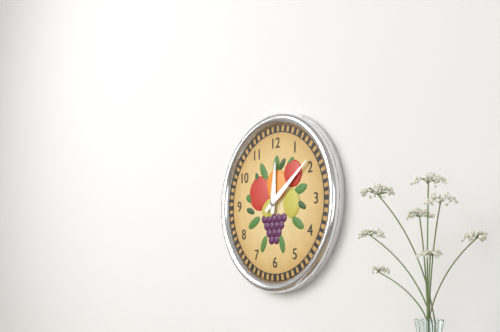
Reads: **12:09**
